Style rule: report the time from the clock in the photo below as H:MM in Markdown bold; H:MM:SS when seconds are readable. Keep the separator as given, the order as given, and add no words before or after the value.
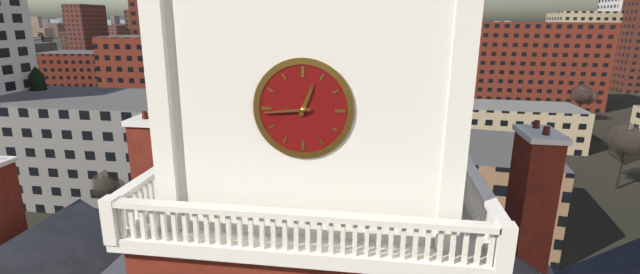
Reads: **12:44**
